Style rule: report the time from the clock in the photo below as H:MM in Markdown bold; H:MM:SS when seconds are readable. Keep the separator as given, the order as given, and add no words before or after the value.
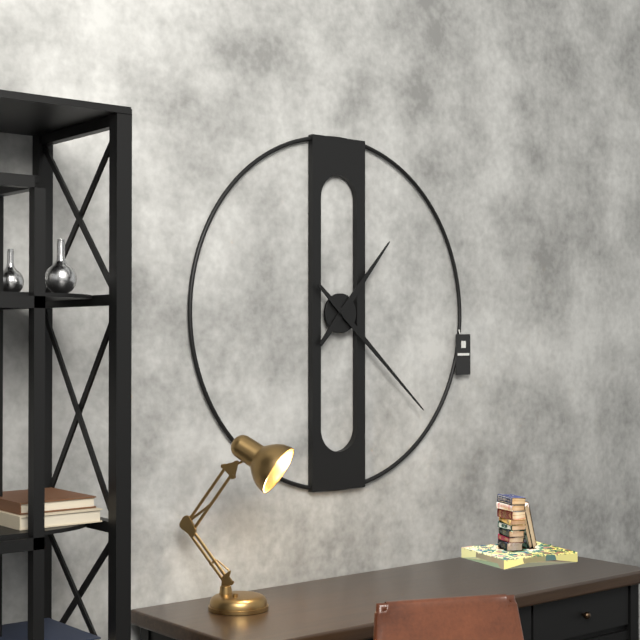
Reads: **1:22**
